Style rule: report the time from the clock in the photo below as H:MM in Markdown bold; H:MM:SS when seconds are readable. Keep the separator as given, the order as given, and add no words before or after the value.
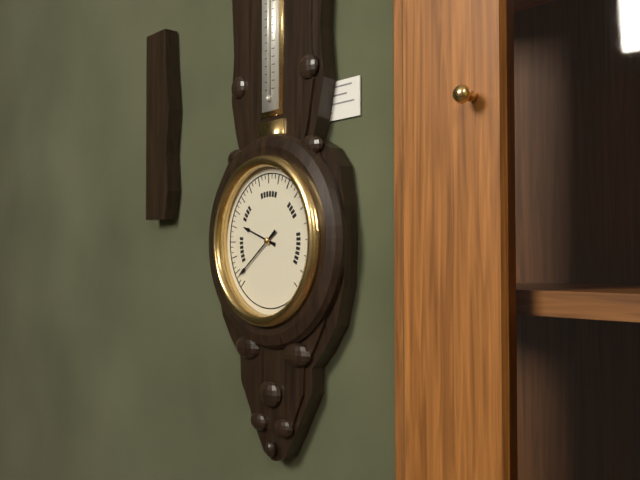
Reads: **9:39**
